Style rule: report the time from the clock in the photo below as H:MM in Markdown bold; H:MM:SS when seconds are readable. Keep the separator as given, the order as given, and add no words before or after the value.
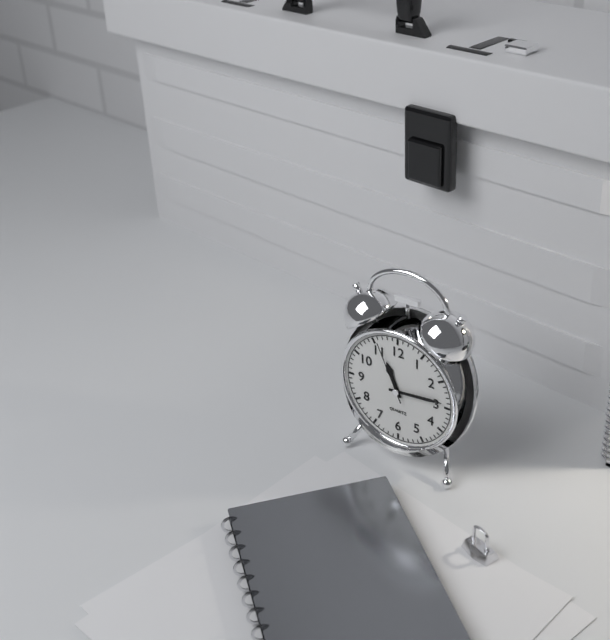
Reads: **11:14:56**
